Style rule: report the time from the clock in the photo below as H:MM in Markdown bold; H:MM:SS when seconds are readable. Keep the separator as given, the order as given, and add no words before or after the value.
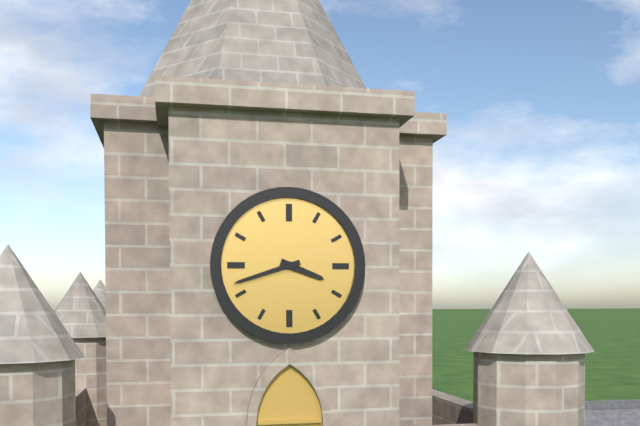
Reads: **3:42**
